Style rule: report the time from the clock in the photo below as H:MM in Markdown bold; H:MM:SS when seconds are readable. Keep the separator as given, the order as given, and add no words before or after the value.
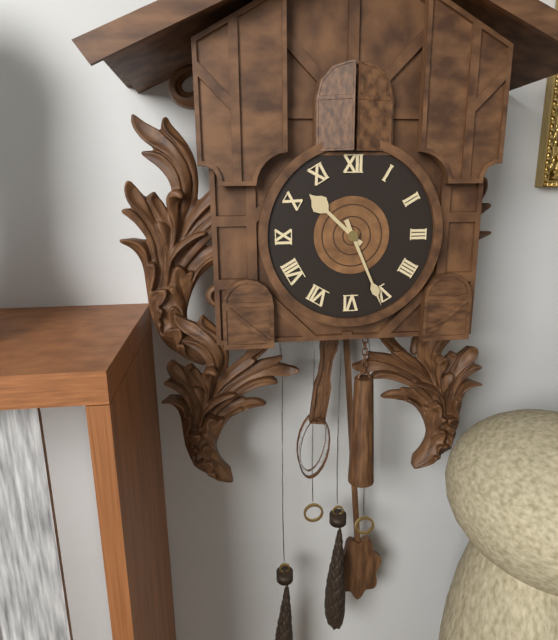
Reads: **10:26**
